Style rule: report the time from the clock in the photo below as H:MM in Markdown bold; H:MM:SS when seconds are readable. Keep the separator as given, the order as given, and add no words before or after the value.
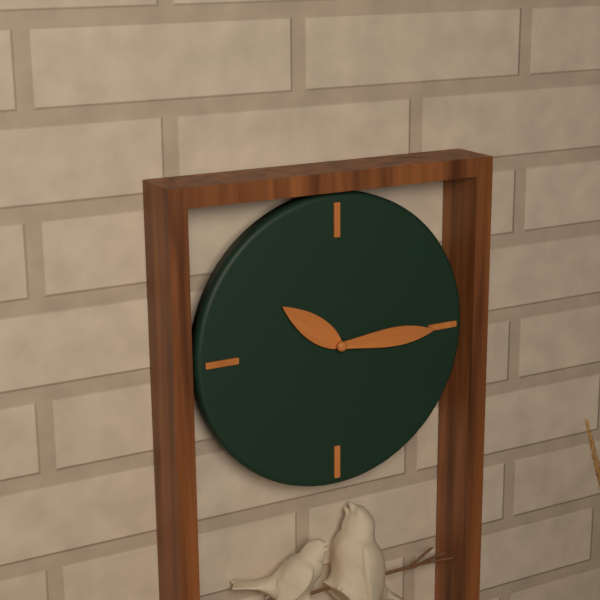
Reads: **10:15**
